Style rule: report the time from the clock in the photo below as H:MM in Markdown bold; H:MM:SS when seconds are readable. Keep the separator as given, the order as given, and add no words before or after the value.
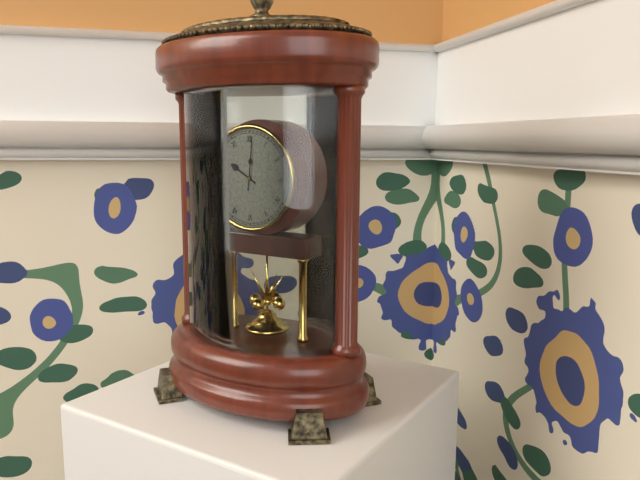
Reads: **10:01**
